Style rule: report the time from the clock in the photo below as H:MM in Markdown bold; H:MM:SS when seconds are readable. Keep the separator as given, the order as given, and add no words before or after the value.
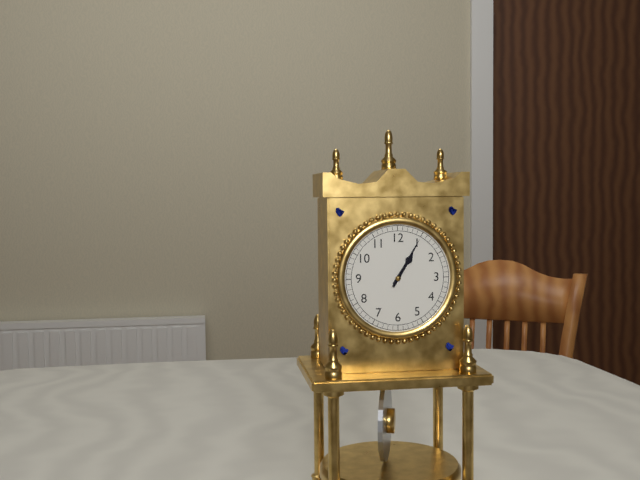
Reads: **1:05**
